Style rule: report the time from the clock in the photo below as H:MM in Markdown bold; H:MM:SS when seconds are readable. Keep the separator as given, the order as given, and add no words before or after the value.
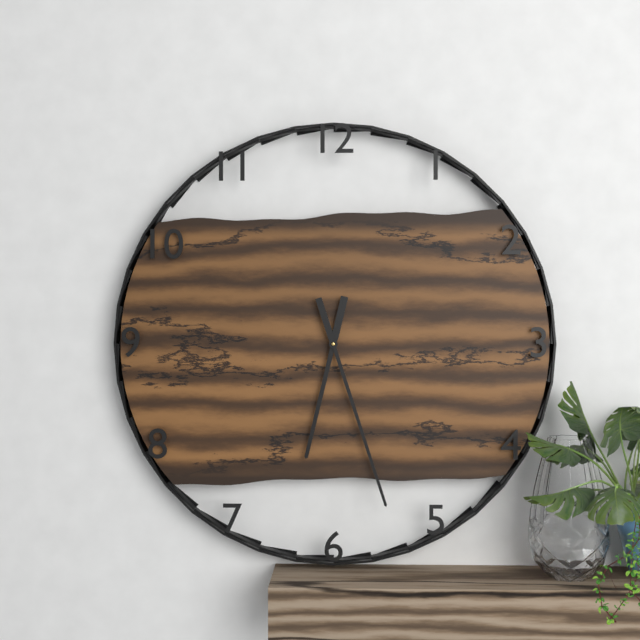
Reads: **6:27**
